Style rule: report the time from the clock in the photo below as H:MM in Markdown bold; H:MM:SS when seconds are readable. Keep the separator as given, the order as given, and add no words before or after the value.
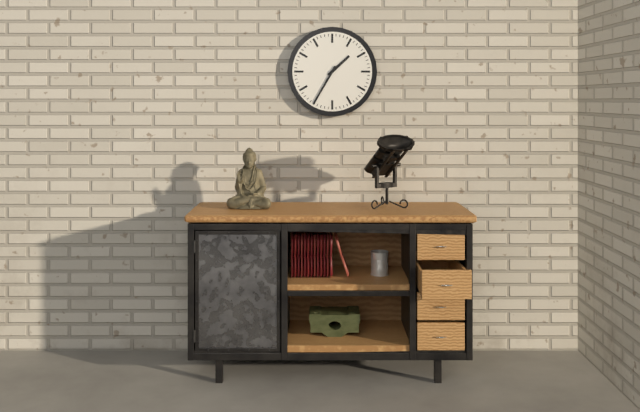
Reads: **1:35**
